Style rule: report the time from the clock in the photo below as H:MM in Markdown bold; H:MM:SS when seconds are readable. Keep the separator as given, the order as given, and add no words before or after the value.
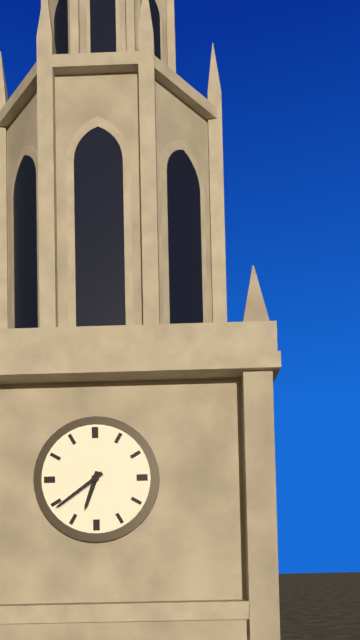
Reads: **6:39**
